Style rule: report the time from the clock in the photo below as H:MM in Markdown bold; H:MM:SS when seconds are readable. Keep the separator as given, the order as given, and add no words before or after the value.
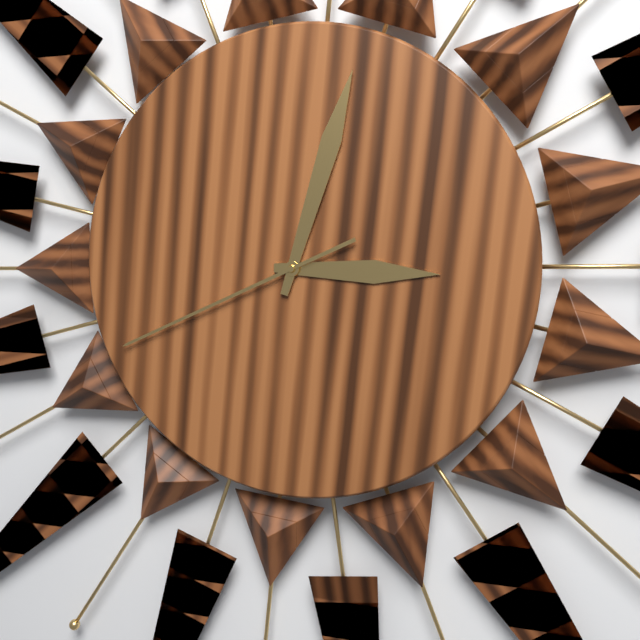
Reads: **3:03:41**
